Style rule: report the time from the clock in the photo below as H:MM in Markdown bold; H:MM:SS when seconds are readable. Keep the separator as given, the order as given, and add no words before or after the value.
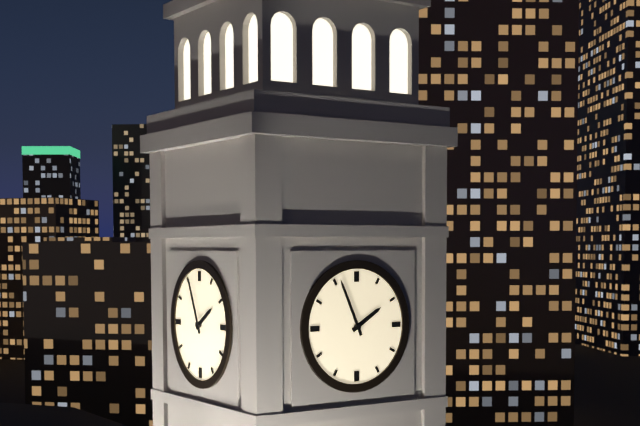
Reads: **1:56**
